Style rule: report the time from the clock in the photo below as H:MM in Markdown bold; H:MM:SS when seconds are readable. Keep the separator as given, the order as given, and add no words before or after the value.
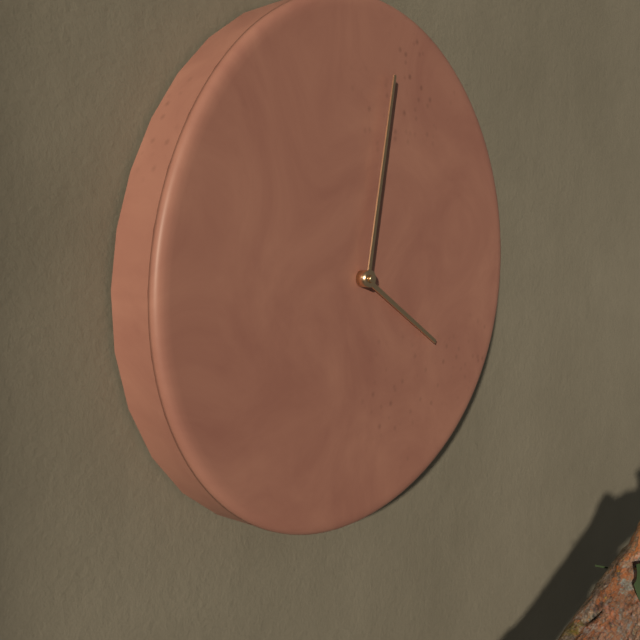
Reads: **4:02**
